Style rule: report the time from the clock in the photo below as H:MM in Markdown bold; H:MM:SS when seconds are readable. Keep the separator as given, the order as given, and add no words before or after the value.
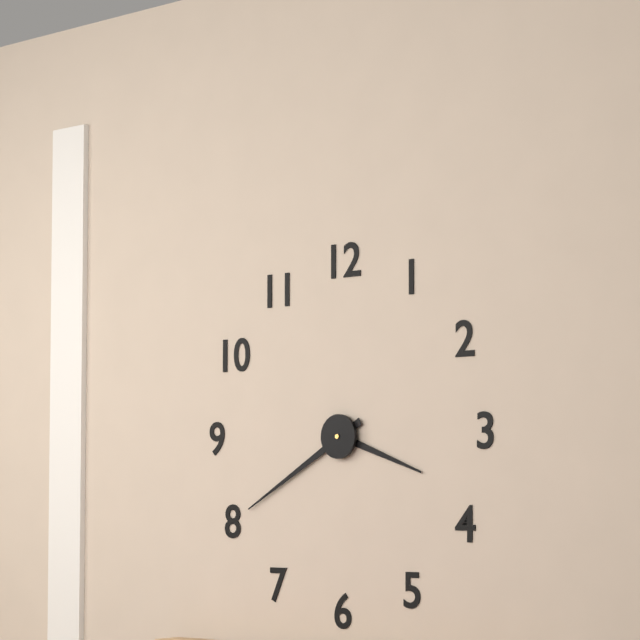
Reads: **3:40**
